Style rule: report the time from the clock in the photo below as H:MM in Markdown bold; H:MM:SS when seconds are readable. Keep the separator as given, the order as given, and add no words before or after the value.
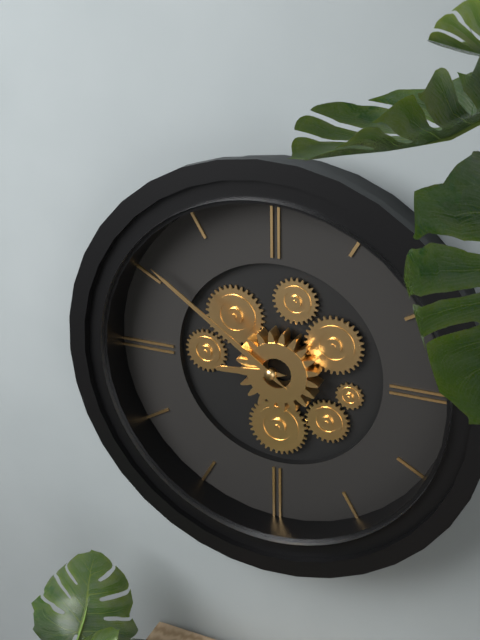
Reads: **8:51**
